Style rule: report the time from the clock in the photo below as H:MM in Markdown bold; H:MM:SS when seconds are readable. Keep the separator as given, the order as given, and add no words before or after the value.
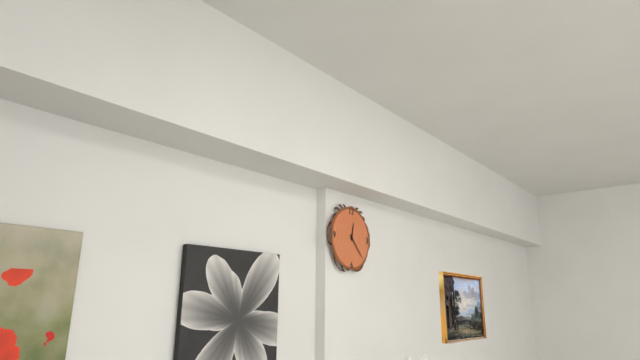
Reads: **12:23**
